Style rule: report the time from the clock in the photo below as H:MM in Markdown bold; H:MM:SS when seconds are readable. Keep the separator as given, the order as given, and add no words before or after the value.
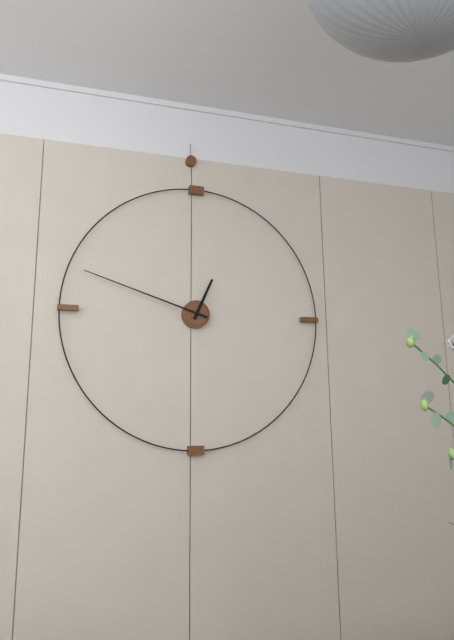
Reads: **12:48**
